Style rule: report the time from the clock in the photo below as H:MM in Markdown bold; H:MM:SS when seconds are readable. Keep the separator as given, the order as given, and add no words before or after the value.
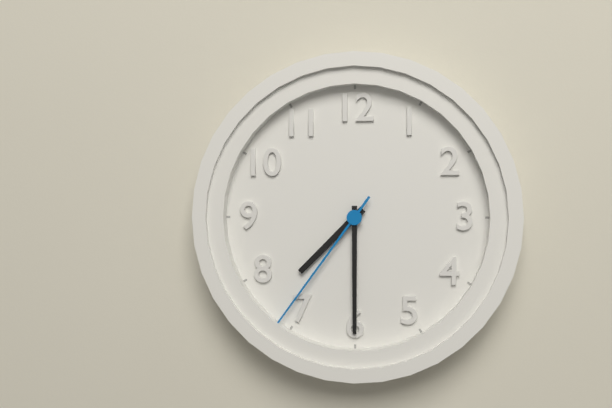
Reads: **7:30:36**
